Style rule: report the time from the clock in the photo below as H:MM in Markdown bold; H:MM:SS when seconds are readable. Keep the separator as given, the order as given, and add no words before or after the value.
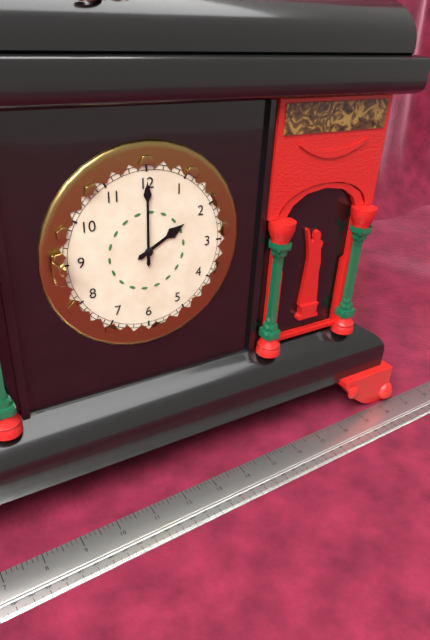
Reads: **2:00**
